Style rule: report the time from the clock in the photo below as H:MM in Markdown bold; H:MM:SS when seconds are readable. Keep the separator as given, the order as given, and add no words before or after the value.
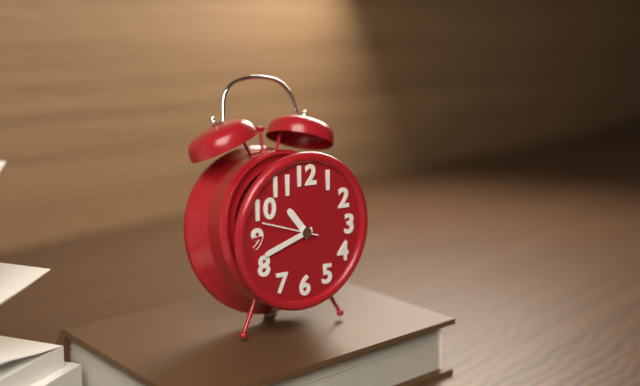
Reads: **10:42:48**
